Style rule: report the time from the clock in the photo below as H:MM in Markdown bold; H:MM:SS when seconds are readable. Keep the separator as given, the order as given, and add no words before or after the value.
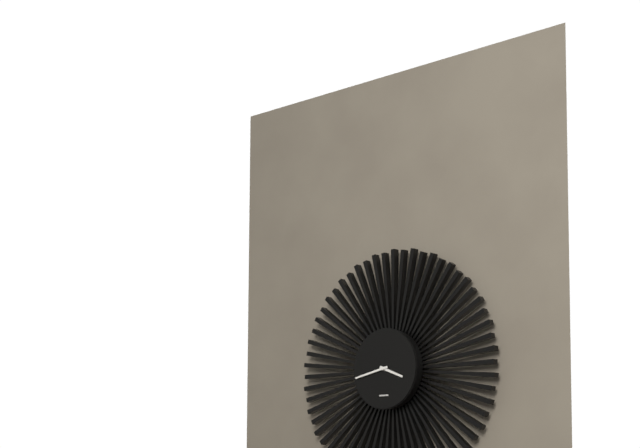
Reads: **3:43**
